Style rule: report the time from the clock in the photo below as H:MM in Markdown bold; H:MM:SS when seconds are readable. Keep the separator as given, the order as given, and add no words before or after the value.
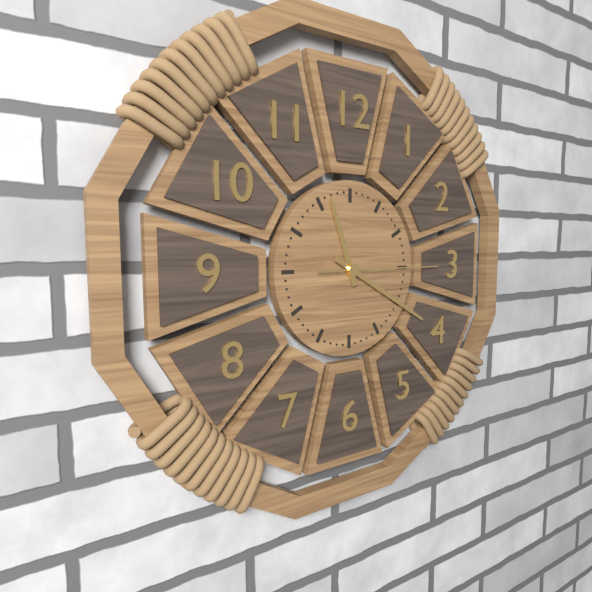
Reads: **11:20:15**
